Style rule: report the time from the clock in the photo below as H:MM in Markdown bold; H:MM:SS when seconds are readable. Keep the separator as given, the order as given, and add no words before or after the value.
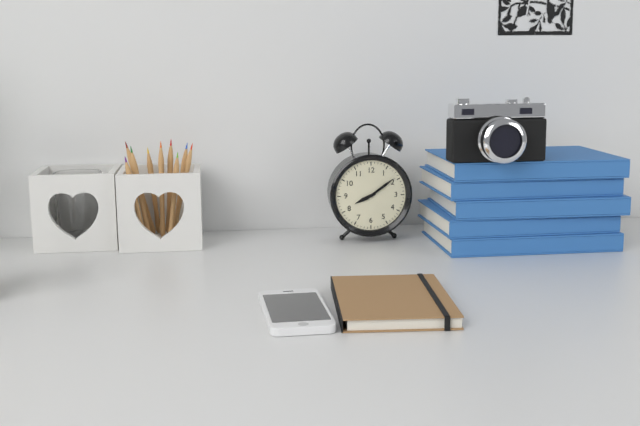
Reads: **8:09**
